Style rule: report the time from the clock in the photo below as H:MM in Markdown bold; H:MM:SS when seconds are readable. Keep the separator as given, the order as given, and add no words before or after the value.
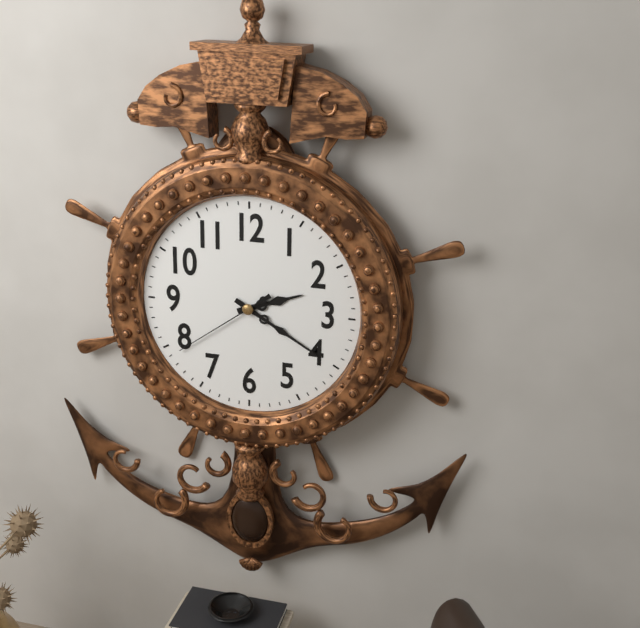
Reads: **2:20:39**
